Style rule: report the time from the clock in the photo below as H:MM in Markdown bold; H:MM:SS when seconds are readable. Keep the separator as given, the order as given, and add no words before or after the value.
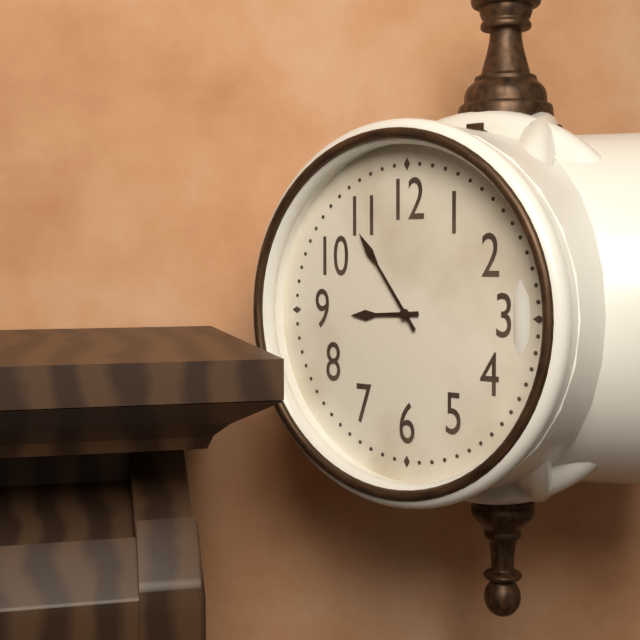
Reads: **8:54**
